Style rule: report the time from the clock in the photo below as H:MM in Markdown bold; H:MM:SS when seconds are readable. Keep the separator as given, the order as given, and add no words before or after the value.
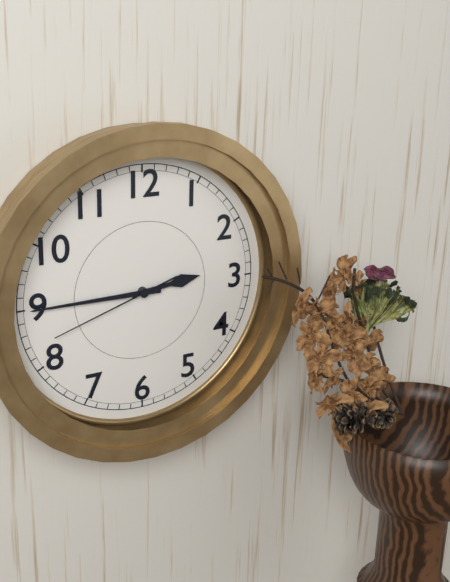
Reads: **2:45:42**
